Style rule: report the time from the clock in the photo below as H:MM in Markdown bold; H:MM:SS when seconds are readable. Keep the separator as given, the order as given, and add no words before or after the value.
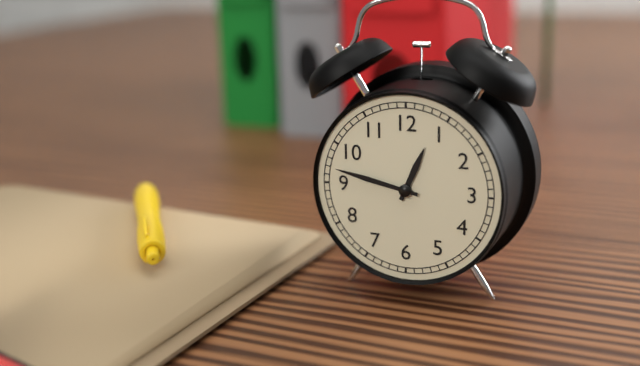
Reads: **12:47**
